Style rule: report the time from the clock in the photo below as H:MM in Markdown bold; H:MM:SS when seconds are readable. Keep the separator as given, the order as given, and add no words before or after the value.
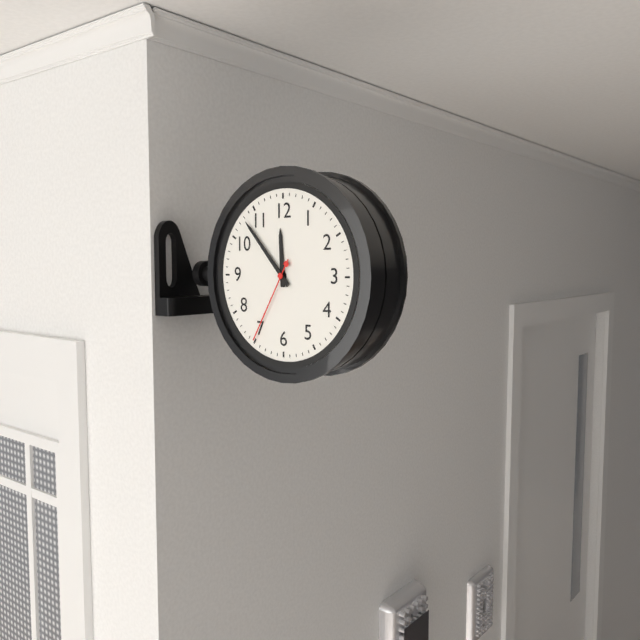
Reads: **11:53:35**
